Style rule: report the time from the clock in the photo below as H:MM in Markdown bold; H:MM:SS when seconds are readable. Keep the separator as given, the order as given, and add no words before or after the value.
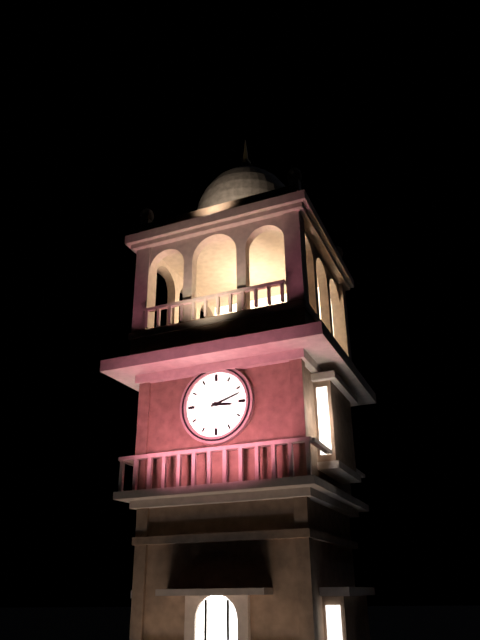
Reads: **3:12**
